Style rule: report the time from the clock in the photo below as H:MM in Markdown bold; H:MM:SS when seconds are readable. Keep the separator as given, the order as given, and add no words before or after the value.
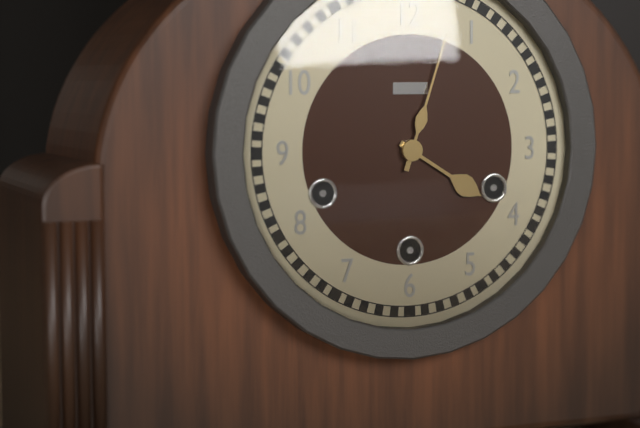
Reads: **4:03**
